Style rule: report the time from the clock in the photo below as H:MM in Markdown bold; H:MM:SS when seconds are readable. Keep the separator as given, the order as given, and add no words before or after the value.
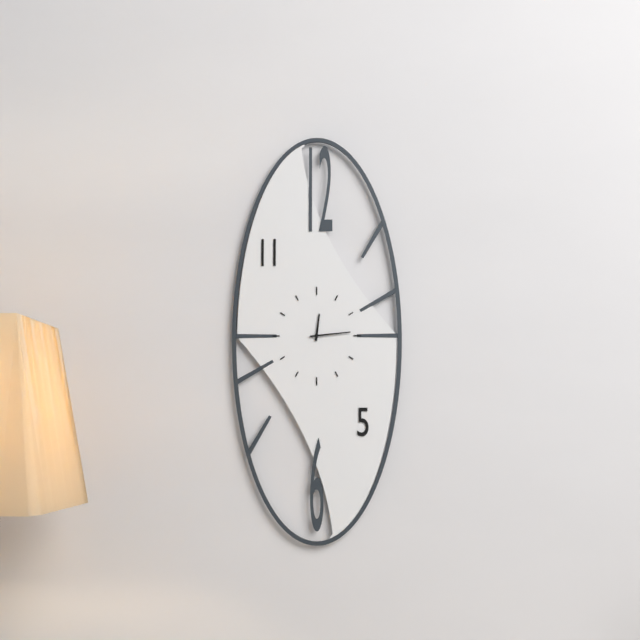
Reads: **12:14**
